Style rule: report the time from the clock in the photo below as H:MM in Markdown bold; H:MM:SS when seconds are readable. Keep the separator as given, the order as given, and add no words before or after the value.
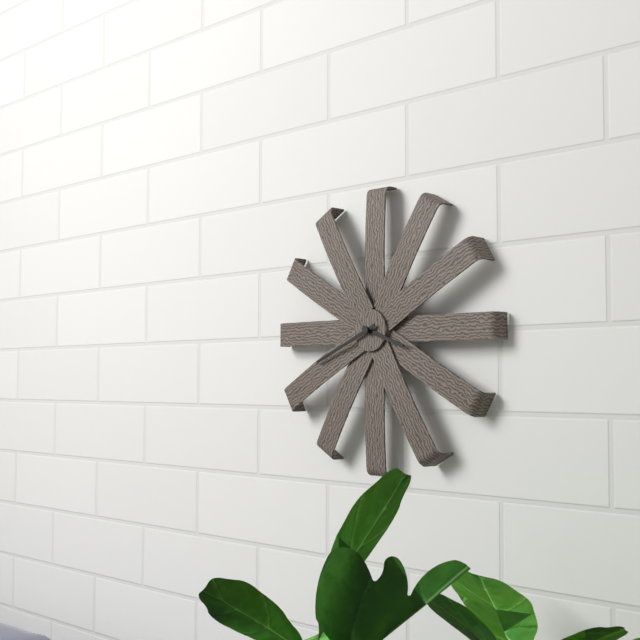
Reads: **3:41**
